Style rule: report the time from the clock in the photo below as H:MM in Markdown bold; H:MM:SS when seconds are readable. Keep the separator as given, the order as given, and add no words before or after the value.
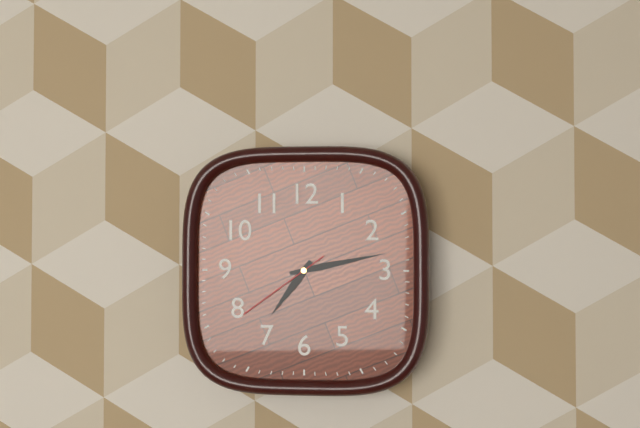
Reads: **7:13:39**
